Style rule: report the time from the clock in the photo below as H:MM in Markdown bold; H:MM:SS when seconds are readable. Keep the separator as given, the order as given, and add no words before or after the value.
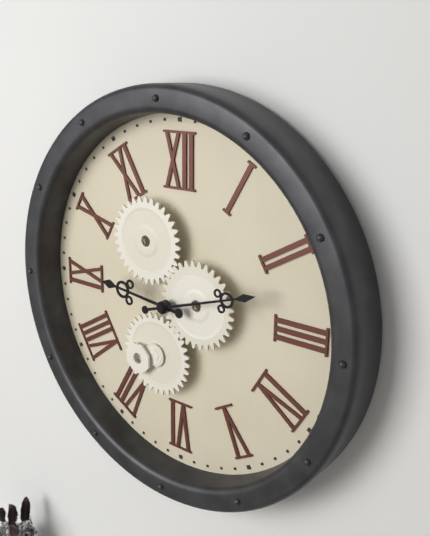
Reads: **9:12**
